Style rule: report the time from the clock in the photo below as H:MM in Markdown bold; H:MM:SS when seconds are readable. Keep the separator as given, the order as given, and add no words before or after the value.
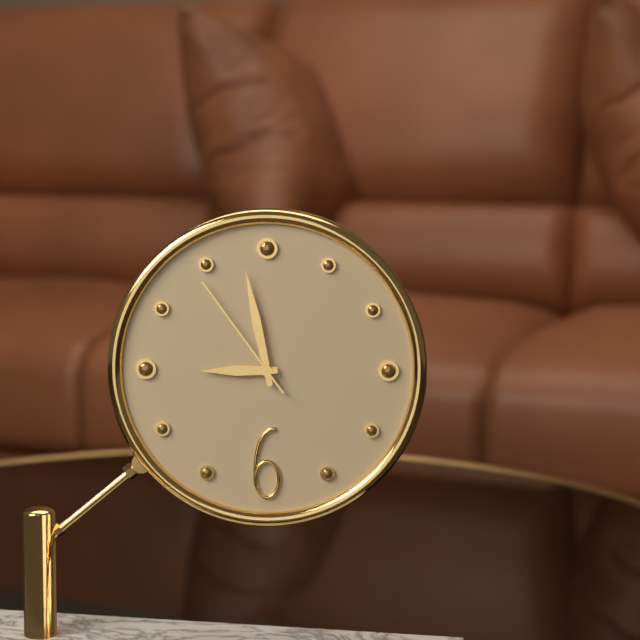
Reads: **8:58:54**
